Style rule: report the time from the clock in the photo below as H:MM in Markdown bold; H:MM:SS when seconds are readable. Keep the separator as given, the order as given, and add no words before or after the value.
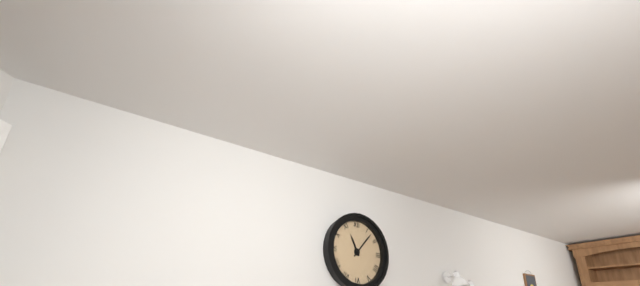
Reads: **11:07**
